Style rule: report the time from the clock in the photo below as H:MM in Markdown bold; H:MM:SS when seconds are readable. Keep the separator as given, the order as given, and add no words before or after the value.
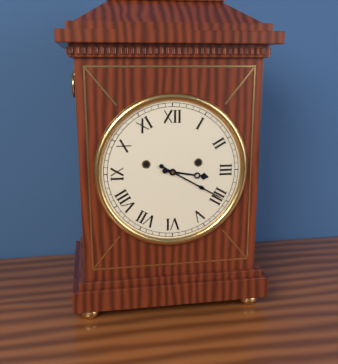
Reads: **3:20**
